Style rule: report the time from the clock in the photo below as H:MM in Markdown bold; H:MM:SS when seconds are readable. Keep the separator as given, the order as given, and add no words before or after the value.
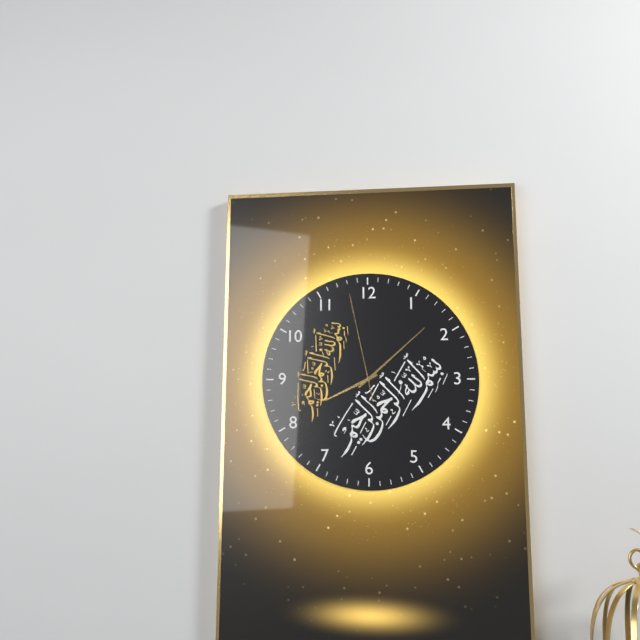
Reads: **8:08:58**
